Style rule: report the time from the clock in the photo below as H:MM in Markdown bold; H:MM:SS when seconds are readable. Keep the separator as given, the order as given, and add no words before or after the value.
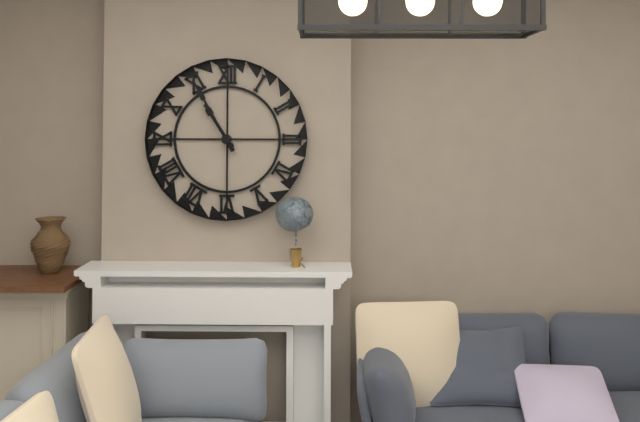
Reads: **10:55**
